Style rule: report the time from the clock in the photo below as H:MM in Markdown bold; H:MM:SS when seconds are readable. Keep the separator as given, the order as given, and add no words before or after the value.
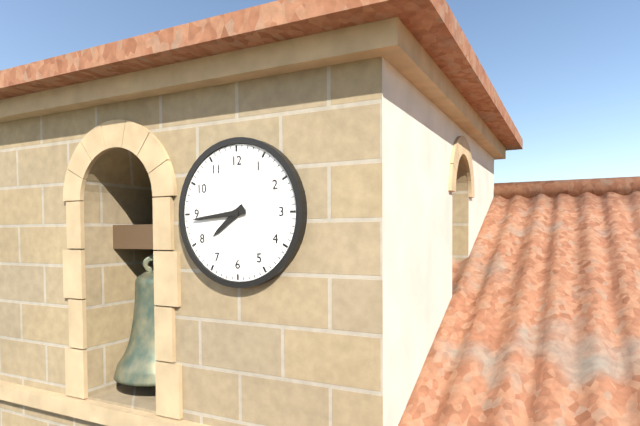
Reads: **7:44**
